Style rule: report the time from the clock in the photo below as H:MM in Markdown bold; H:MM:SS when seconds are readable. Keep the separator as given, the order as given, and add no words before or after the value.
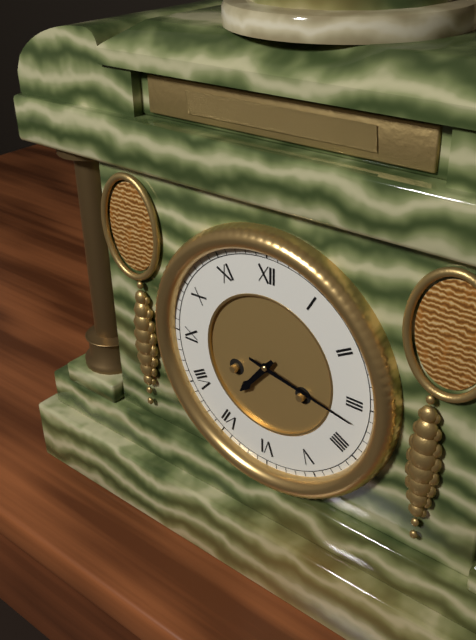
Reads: **7:17**
